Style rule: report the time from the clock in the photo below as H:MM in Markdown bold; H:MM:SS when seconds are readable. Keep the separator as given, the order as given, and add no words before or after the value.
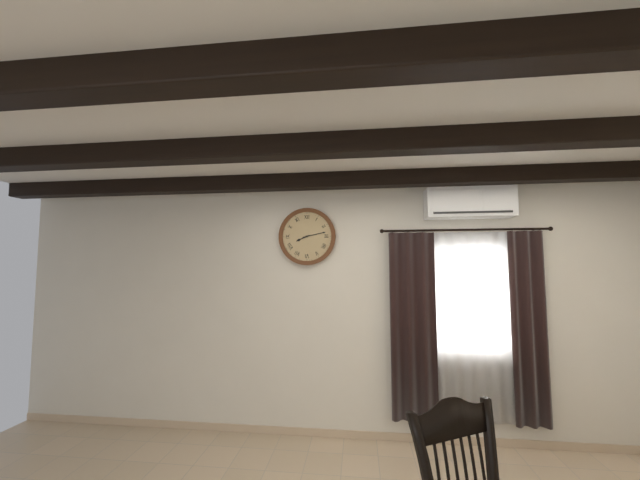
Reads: **8:13**
